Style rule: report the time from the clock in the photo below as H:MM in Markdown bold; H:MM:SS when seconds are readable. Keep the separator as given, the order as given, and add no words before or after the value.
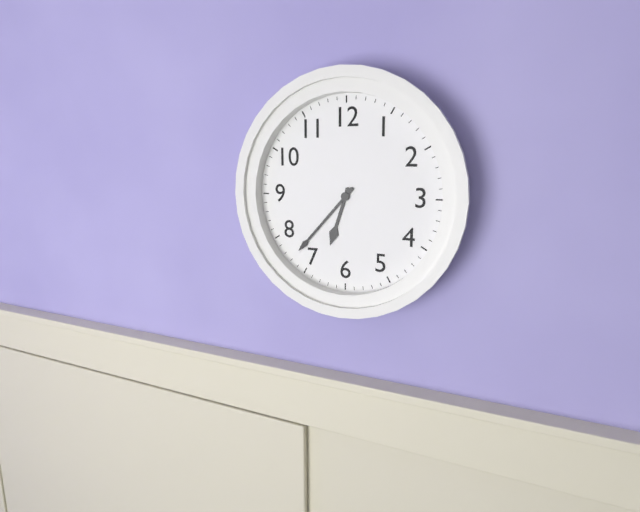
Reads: **6:37**
